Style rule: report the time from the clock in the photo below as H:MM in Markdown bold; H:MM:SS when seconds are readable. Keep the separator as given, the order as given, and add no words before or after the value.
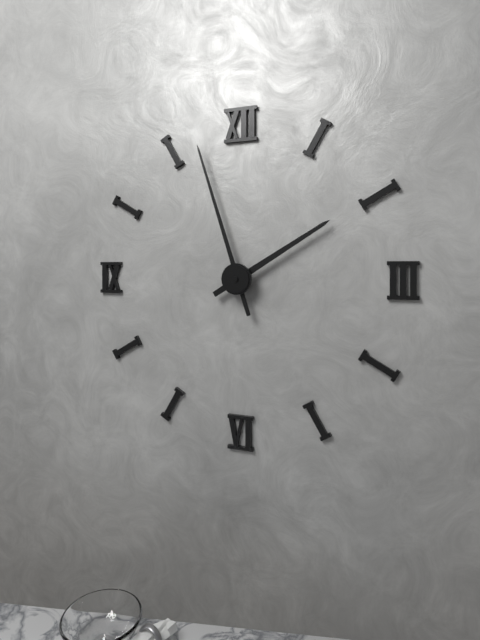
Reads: **1:57**
